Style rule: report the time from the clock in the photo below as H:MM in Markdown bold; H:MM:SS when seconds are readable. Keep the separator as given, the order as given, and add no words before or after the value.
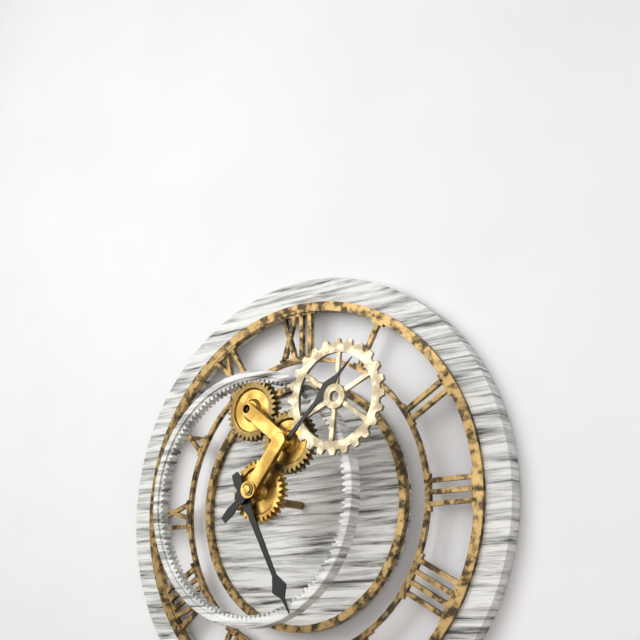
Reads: **5:08**
